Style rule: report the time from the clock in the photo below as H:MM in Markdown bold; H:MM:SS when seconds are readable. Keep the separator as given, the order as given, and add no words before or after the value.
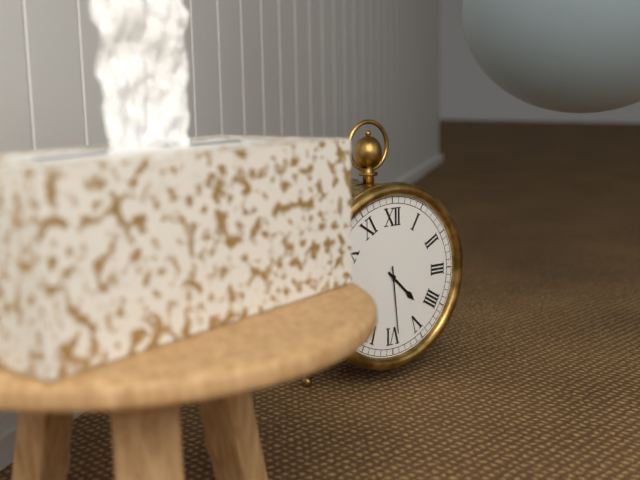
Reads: **4:29**
